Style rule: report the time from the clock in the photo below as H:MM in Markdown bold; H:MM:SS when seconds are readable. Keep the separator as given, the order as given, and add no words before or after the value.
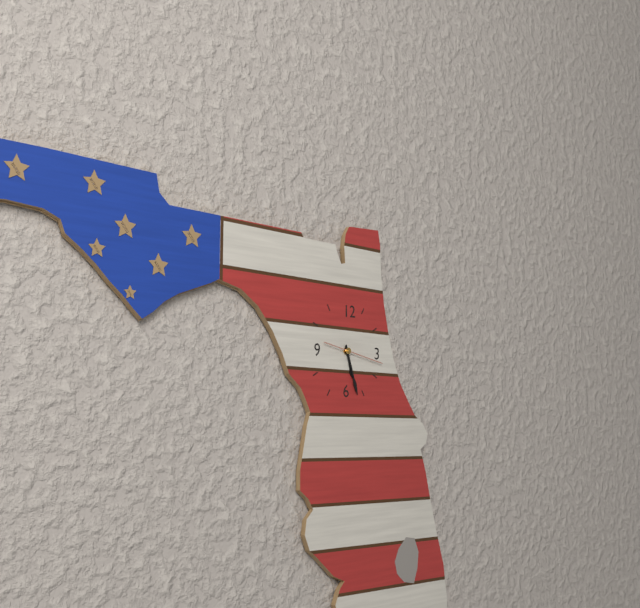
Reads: **5:27**
